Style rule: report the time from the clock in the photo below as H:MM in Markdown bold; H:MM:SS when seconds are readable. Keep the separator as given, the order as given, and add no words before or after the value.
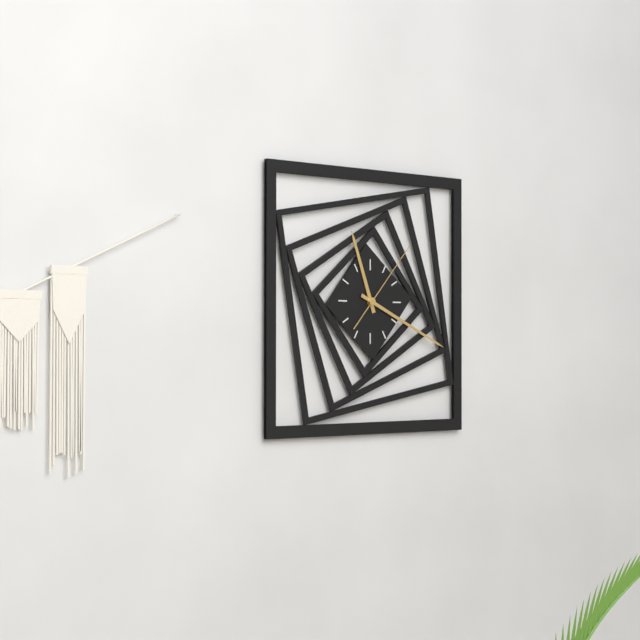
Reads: **11:19:07**
